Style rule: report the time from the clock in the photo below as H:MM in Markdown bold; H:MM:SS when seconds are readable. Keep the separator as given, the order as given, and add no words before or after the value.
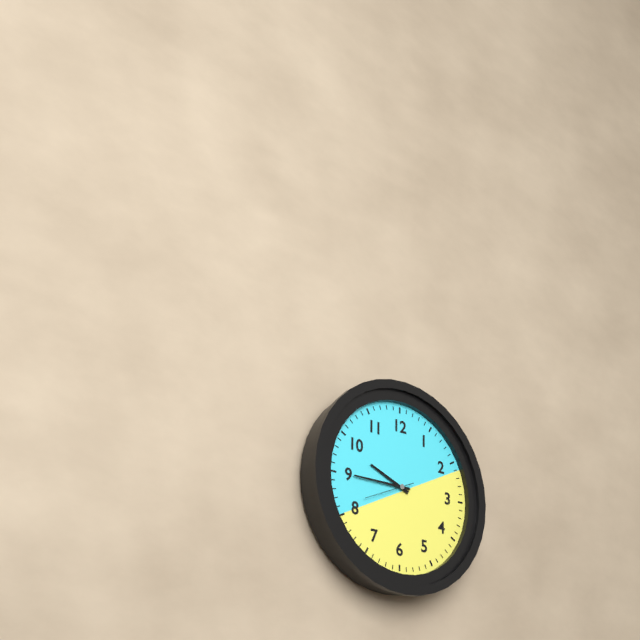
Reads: **9:45**
